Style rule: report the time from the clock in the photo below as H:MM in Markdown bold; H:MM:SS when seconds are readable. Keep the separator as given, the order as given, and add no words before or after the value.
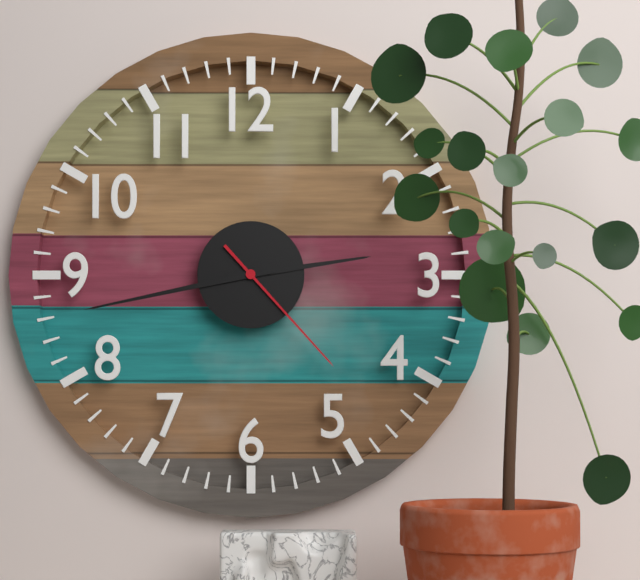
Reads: **2:43:23**
